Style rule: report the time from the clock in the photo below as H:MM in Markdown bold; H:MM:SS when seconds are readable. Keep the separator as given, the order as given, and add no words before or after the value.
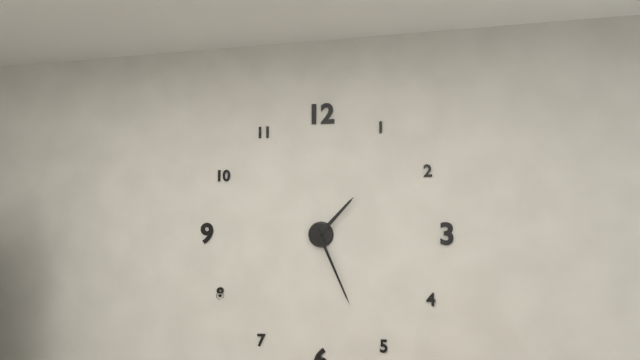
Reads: **1:26**
